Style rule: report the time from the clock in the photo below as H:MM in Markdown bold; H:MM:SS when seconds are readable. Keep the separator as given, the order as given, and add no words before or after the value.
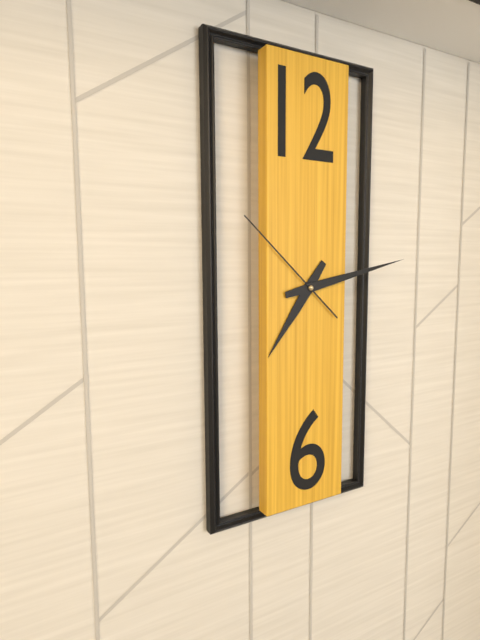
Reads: **7:13:52**
